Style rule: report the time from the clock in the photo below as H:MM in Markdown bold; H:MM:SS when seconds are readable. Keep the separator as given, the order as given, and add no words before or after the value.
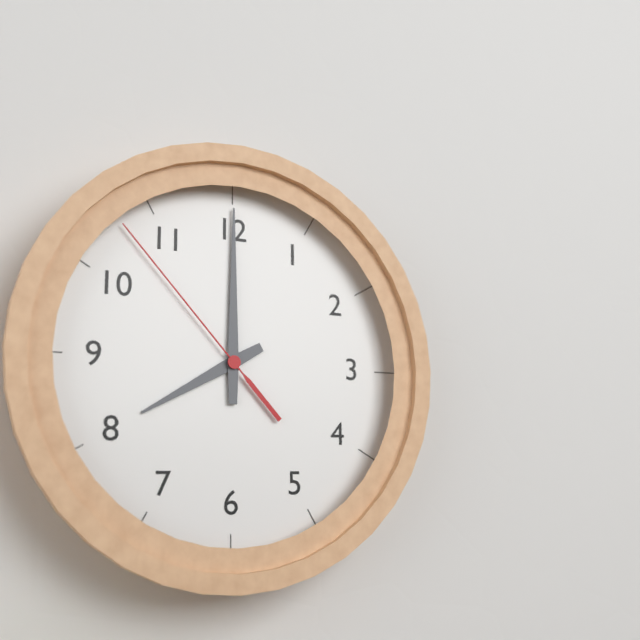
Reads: **8:00:53**
